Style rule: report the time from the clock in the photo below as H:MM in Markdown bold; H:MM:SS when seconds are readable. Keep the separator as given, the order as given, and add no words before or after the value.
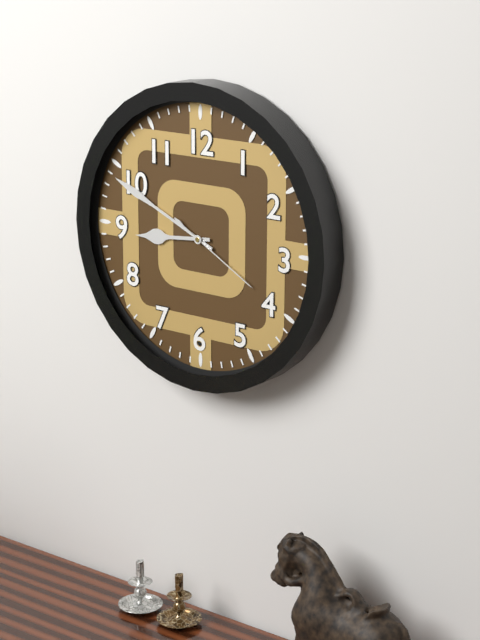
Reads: **8:49:20**
